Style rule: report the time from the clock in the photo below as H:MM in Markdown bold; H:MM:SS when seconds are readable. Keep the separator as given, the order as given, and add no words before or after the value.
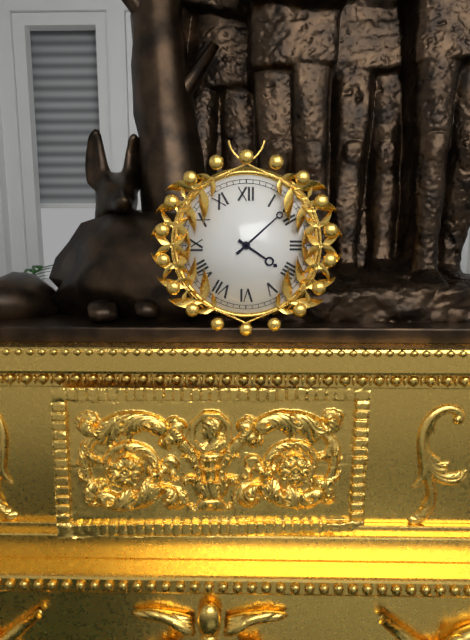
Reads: **4:08**
